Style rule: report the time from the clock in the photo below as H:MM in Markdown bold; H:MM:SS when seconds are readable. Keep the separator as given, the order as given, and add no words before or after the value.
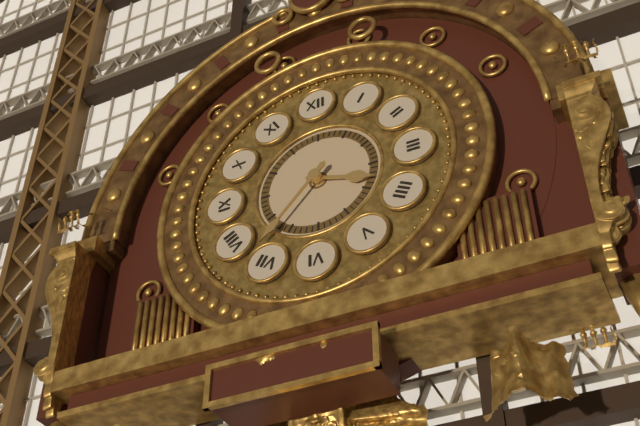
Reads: **3:37**
